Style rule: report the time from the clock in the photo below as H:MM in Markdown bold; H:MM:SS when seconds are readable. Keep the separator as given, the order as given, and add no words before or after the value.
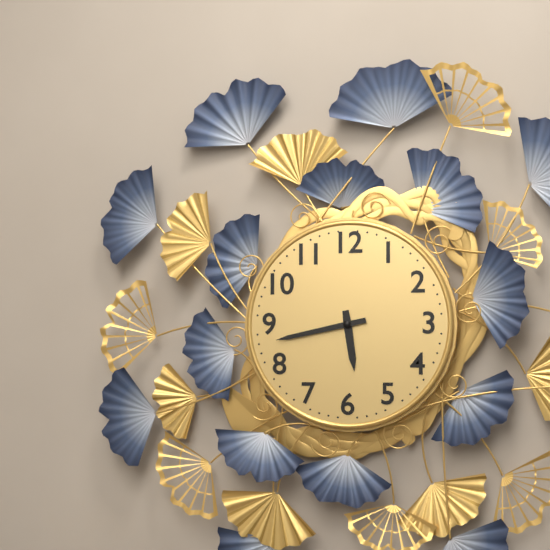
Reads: **5:43**
